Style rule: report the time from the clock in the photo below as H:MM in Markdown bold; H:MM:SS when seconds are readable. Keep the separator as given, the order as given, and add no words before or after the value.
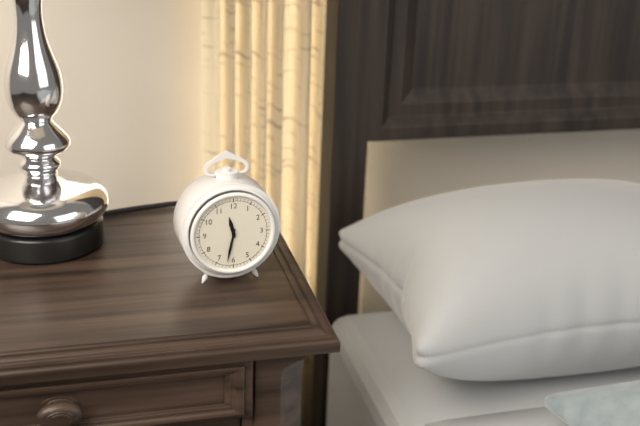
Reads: **11:32**
